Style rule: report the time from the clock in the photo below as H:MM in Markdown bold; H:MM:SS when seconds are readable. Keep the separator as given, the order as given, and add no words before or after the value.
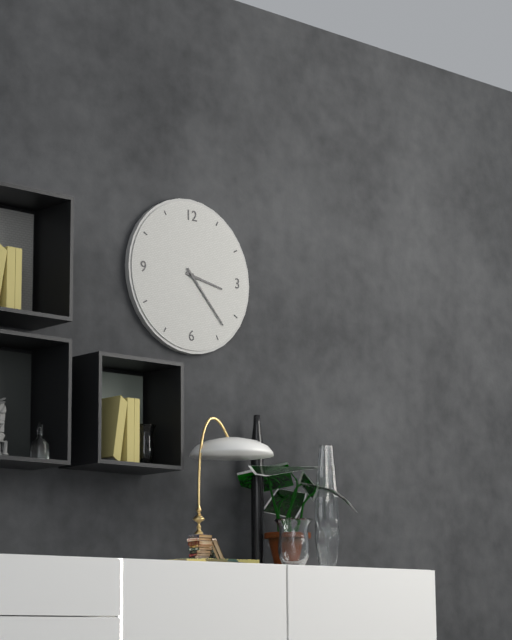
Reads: **3:23**
